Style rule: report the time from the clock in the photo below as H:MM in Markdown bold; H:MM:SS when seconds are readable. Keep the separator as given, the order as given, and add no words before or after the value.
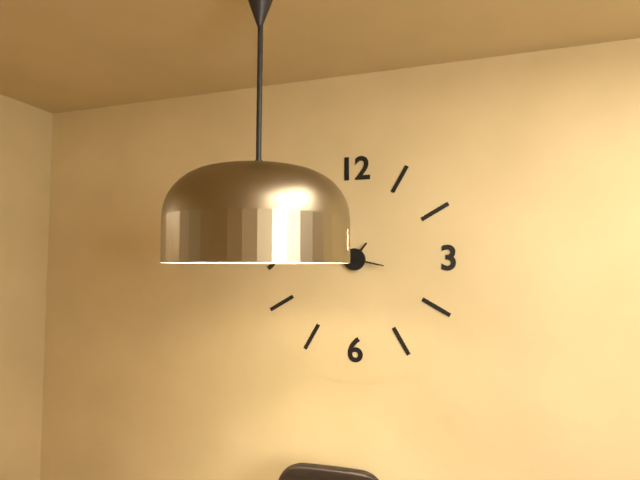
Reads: **1:17**
